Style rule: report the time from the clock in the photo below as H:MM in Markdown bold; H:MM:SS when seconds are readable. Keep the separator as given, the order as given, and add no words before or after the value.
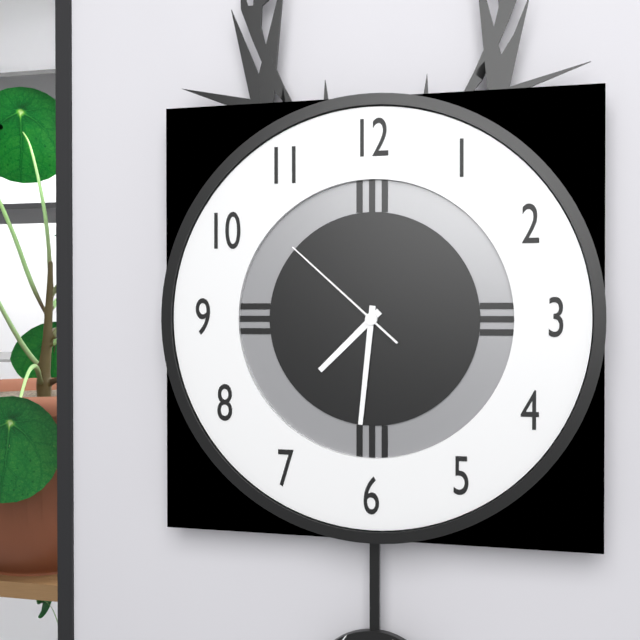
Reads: **7:31:52**
